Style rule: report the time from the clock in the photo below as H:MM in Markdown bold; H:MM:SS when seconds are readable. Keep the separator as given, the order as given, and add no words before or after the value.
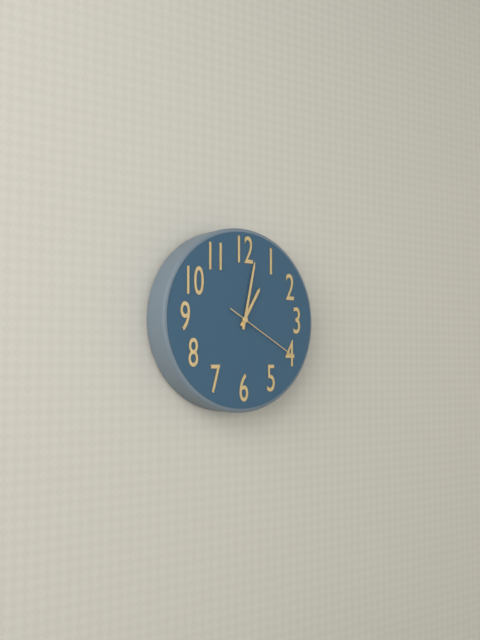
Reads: **1:02:20**
